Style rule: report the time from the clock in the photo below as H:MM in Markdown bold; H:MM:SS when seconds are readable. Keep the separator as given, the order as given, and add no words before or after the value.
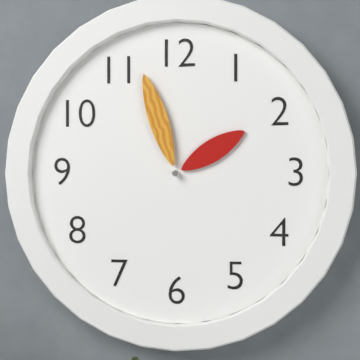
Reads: **1:57**
